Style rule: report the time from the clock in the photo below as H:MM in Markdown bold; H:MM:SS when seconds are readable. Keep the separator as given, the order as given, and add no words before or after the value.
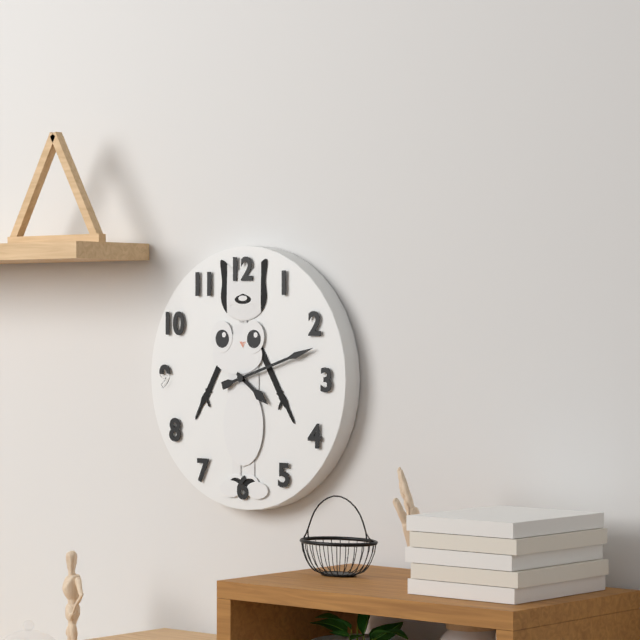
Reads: **4:12**
